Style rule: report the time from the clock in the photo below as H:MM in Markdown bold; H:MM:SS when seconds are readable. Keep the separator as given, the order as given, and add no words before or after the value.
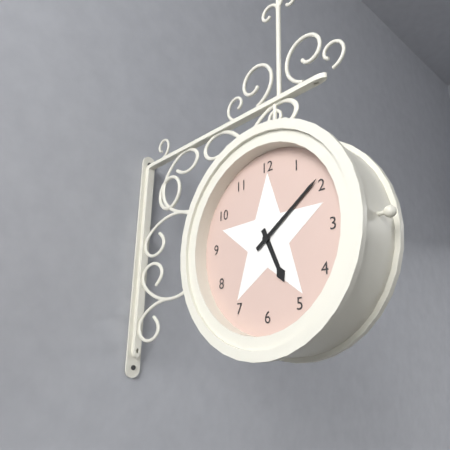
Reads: **5:09**
